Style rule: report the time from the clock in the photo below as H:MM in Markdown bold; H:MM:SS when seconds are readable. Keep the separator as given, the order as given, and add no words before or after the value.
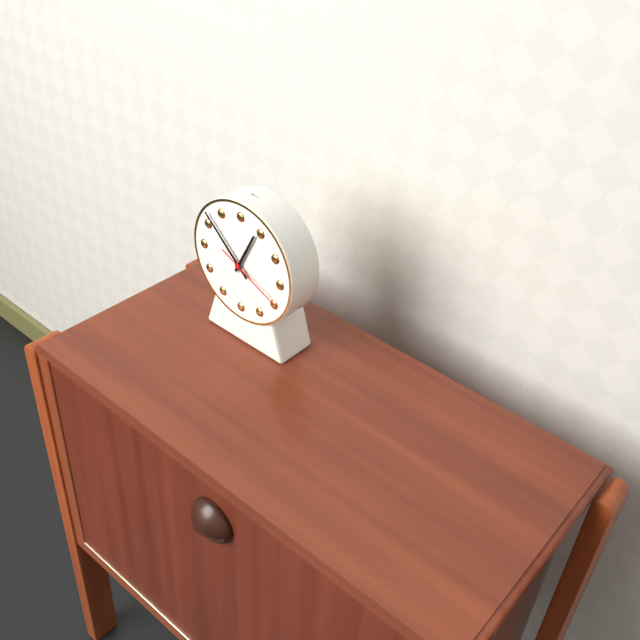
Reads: **12:52:19**
